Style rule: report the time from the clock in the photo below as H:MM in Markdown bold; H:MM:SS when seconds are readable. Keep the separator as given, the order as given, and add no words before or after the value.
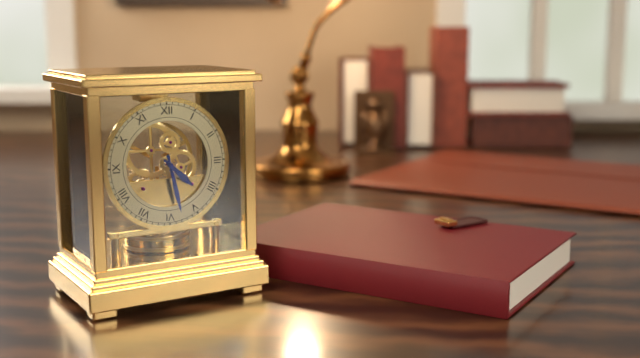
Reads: **4:28**
